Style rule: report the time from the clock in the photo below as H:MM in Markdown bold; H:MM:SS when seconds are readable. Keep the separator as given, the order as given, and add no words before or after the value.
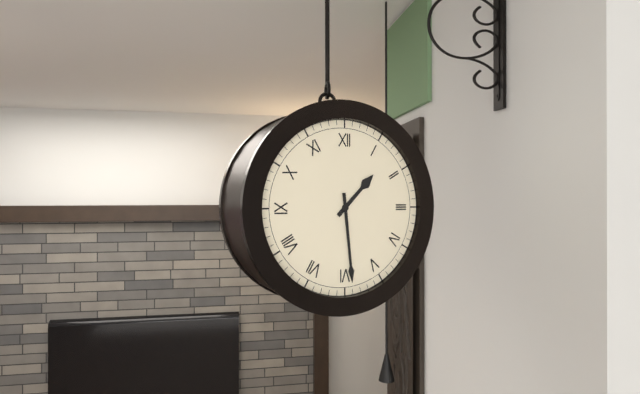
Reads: **1:29**
